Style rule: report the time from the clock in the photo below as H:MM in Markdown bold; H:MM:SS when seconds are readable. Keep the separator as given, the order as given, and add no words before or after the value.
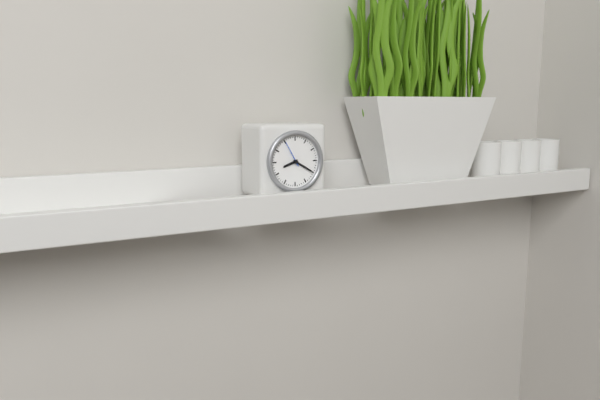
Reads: **8:20**
